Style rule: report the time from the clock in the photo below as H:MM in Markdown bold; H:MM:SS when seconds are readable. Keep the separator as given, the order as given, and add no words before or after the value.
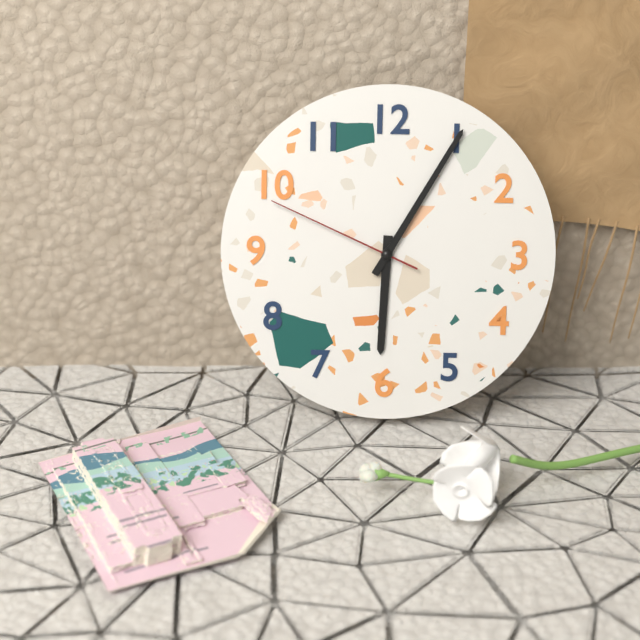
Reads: **6:05:49**
